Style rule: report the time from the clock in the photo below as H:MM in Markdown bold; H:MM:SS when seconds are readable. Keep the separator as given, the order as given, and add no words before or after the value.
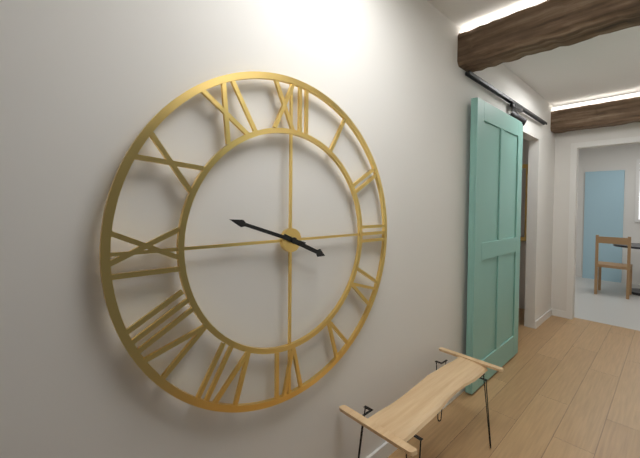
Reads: **3:48**
